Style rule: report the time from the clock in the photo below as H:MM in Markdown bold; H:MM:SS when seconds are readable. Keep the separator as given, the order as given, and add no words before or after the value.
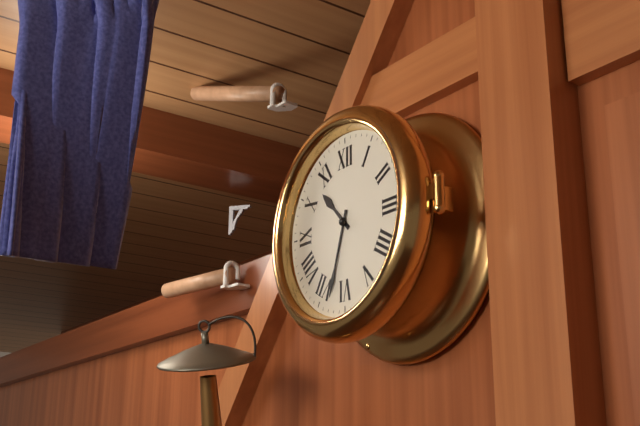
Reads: **10:33**
